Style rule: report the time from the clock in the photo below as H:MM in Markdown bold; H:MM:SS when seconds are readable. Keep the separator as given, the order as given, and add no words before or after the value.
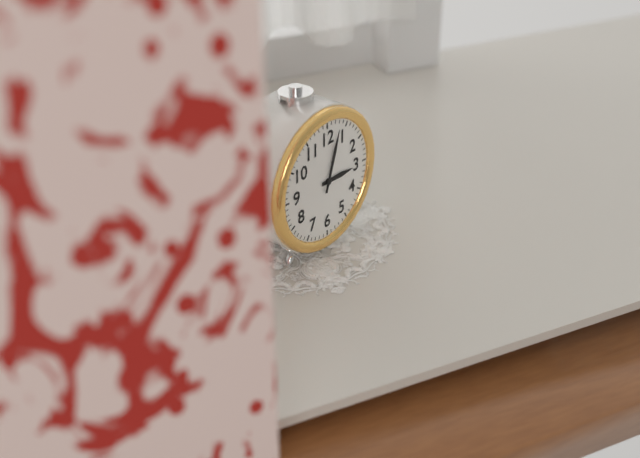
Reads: **3:03**
